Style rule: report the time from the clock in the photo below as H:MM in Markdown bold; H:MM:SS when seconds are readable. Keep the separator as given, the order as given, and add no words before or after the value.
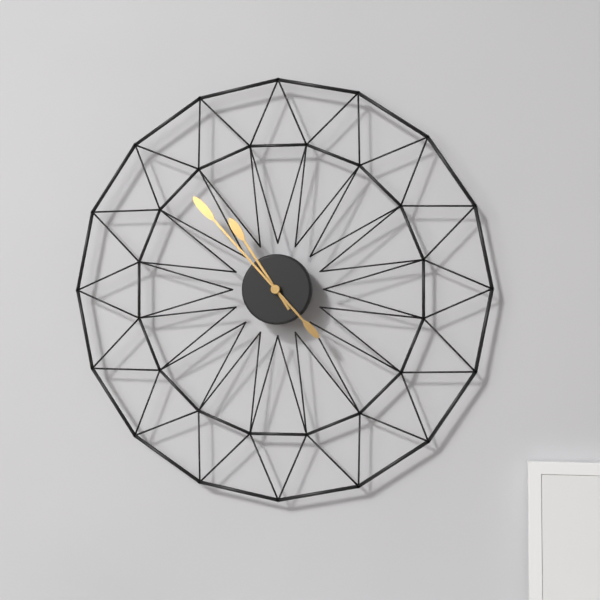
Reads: **10:53**
